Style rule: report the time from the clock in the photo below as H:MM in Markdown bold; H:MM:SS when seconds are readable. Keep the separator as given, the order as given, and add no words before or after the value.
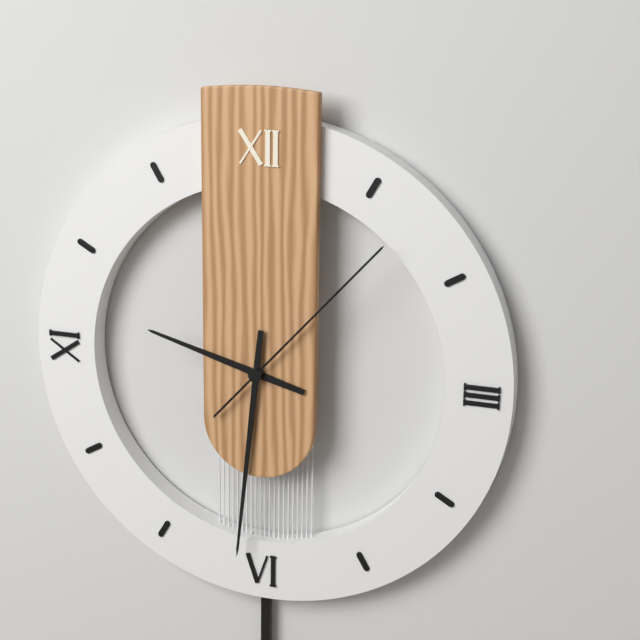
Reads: **9:31:07**
